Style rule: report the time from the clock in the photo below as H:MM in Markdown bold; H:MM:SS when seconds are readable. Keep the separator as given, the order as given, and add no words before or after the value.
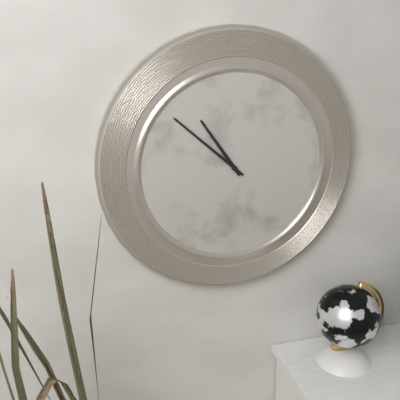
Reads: **10:52**
